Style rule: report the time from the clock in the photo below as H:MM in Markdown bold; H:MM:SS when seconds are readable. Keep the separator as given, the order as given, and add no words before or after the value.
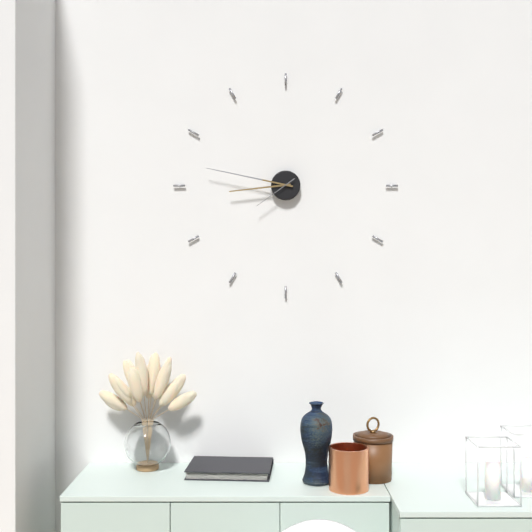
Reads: **8:47**
